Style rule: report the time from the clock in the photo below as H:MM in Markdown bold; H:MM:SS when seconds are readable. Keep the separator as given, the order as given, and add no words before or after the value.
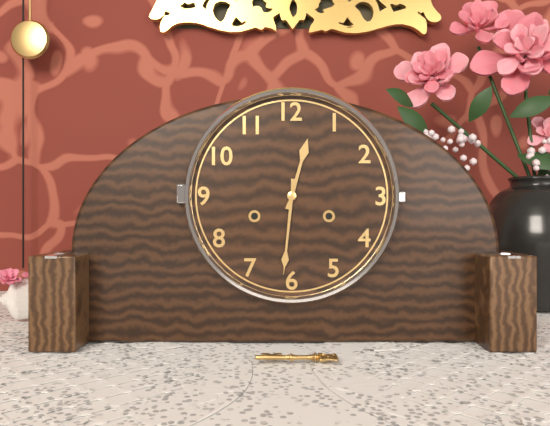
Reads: **12:31**
